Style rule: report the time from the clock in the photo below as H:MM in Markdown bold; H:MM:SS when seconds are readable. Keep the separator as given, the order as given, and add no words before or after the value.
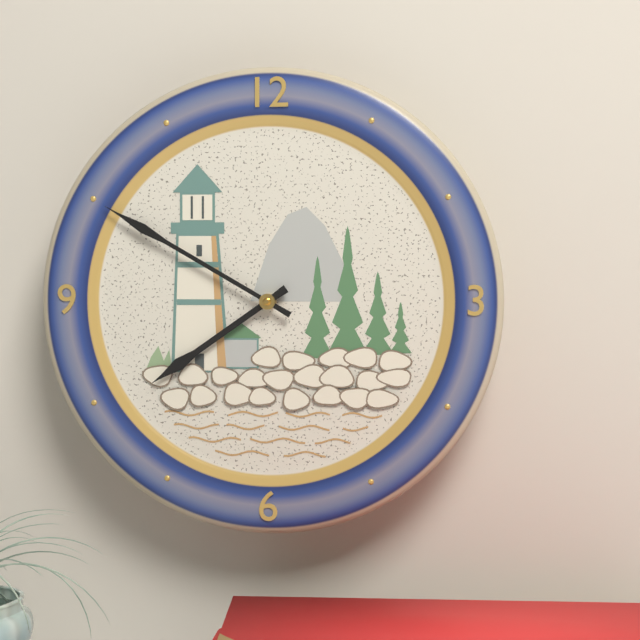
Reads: **7:50**
